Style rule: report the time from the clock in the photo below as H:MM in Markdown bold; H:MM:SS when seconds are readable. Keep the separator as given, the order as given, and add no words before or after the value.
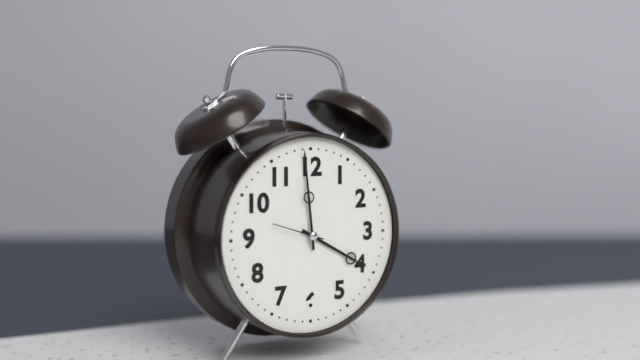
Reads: **3:59:48**
